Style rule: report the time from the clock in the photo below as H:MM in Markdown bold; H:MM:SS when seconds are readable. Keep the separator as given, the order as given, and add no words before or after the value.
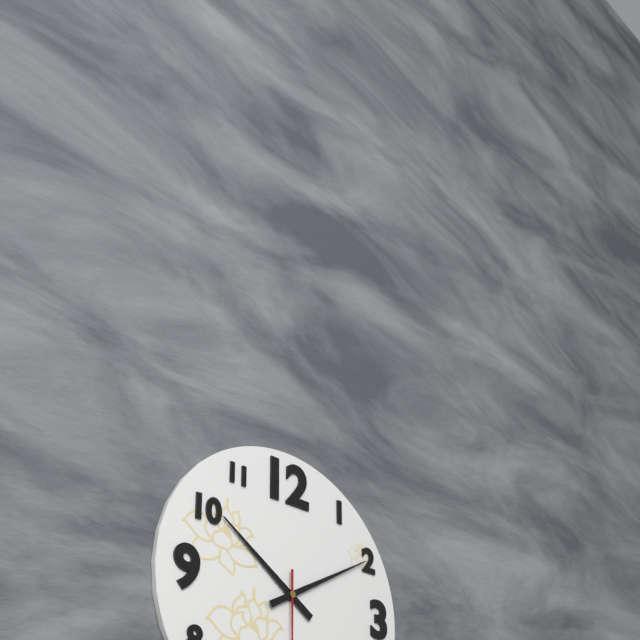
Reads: **10:10**
